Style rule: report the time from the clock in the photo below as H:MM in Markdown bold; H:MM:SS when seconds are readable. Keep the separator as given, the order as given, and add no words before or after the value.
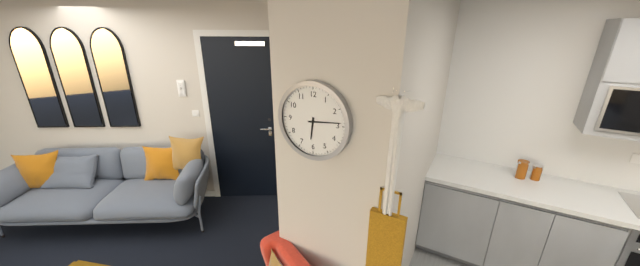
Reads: **6:14**
